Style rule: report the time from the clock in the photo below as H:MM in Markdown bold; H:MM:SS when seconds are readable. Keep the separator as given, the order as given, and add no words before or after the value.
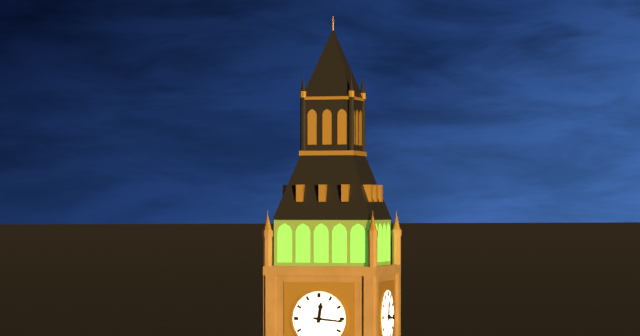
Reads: **12:16**
